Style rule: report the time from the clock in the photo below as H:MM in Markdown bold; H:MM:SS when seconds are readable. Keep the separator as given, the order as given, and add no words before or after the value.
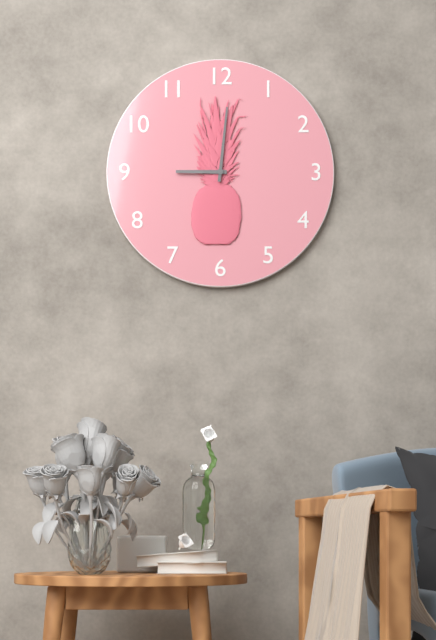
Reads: **9:01**
